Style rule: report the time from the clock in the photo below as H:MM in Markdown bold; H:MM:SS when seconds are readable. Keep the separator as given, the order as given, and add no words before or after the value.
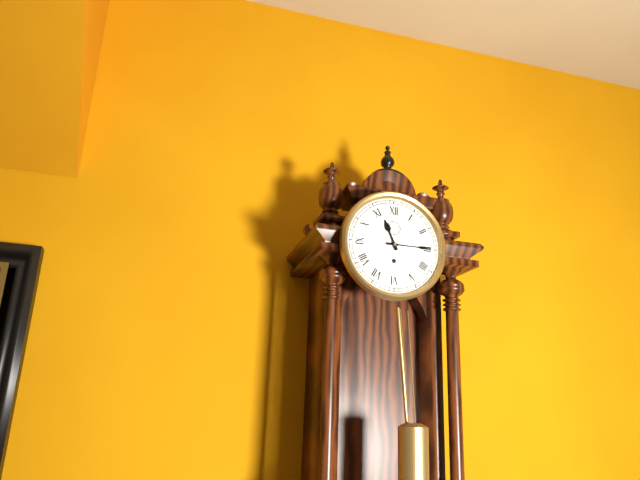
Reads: **11:15**
